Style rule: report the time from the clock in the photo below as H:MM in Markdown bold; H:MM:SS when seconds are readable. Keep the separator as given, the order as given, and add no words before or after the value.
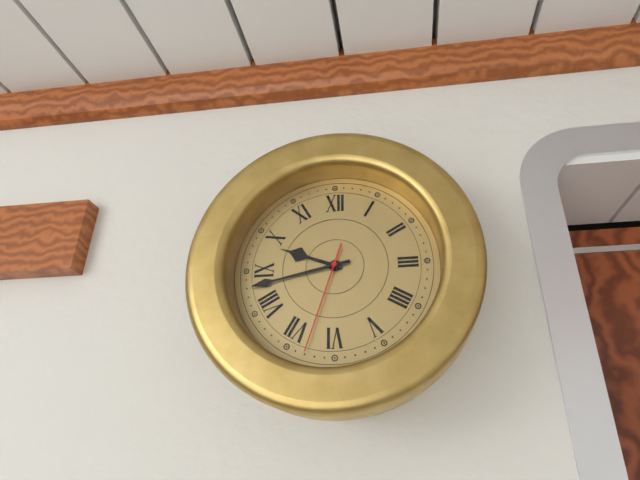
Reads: **9:43:33**
